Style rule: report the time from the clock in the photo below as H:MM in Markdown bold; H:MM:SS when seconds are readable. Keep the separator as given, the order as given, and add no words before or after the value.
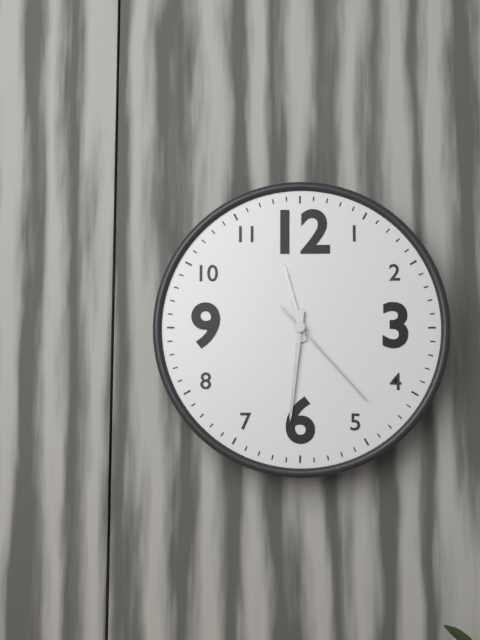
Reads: **11:31:23**
